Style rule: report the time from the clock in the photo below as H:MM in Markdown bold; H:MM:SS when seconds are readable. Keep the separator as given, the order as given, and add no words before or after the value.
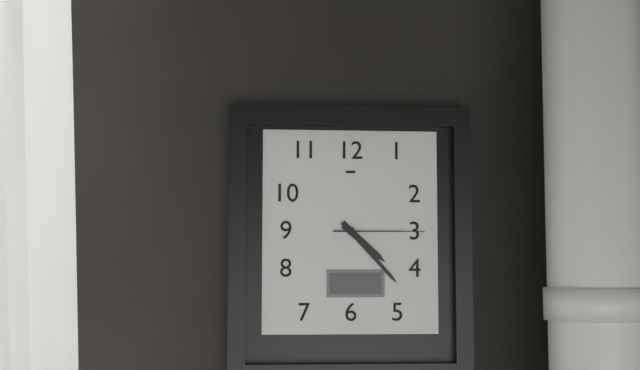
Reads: **4:23:15**
